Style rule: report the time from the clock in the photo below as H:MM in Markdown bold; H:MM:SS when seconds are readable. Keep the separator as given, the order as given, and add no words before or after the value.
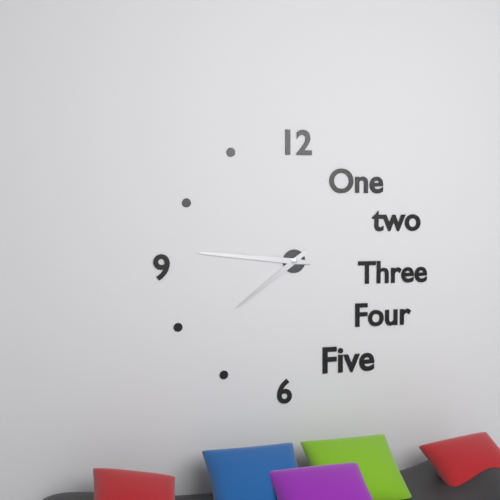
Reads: **7:46**
